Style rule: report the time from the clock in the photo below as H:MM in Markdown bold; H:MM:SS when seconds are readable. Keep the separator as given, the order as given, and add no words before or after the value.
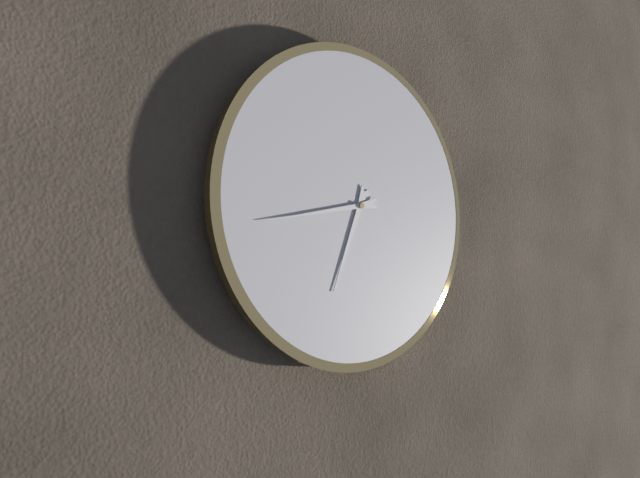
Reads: **6:43**
